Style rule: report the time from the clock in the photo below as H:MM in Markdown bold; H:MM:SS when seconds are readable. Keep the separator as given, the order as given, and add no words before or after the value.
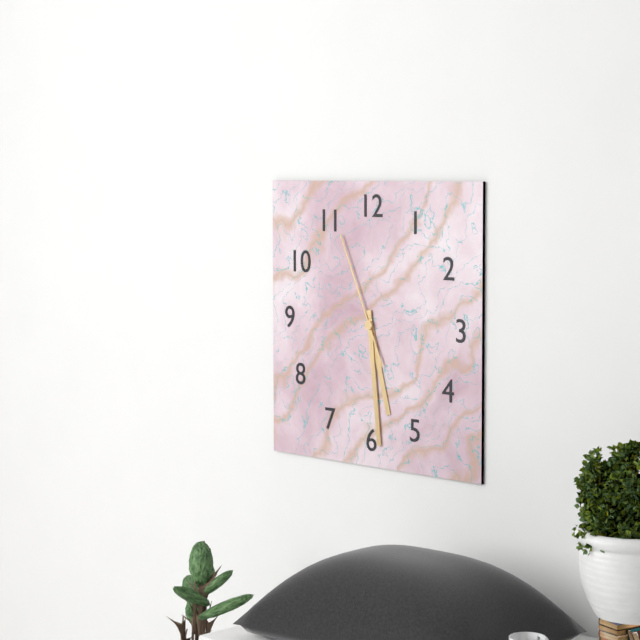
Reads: **5:29:56**
